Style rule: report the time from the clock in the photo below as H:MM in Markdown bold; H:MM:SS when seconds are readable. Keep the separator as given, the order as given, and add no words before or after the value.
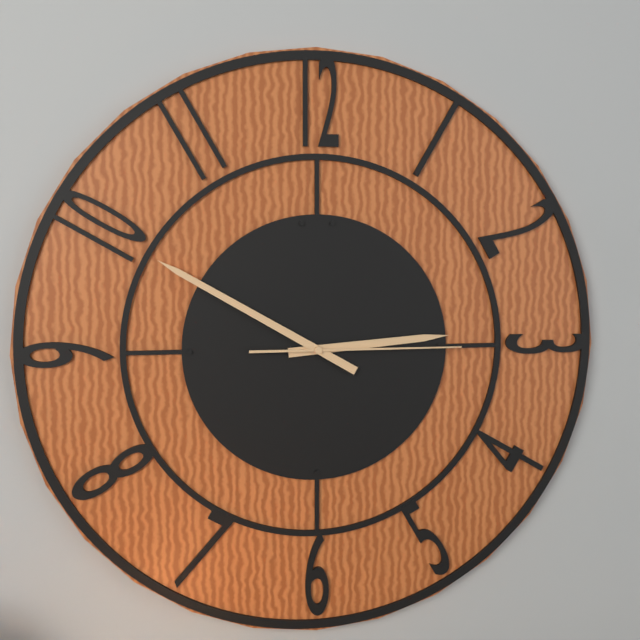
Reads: **2:50:15**
